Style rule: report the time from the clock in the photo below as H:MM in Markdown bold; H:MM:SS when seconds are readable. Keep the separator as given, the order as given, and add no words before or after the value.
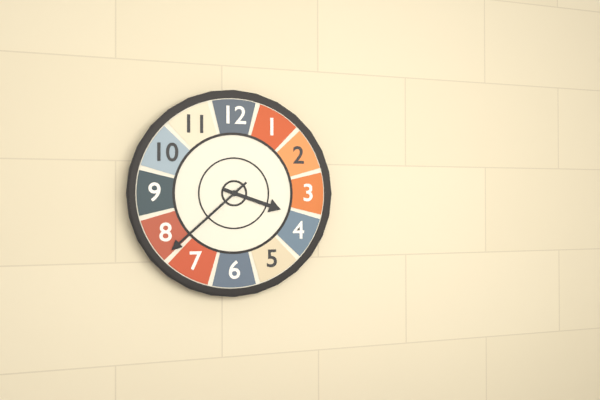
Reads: **3:38**
